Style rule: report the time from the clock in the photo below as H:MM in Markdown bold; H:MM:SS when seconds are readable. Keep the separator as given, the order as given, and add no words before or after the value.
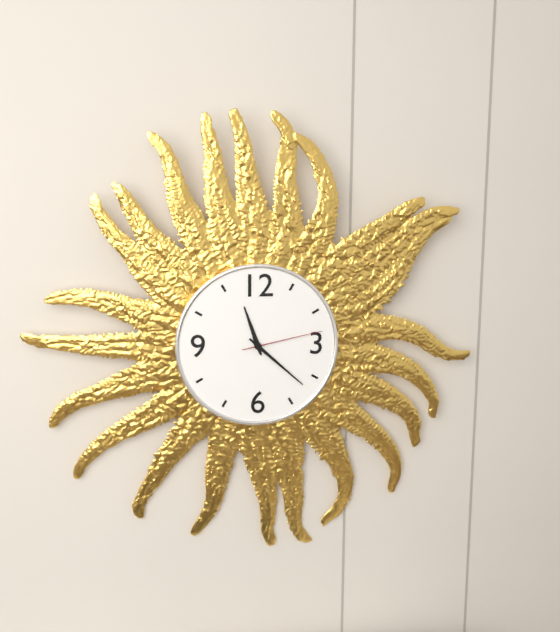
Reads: **11:22:13**
